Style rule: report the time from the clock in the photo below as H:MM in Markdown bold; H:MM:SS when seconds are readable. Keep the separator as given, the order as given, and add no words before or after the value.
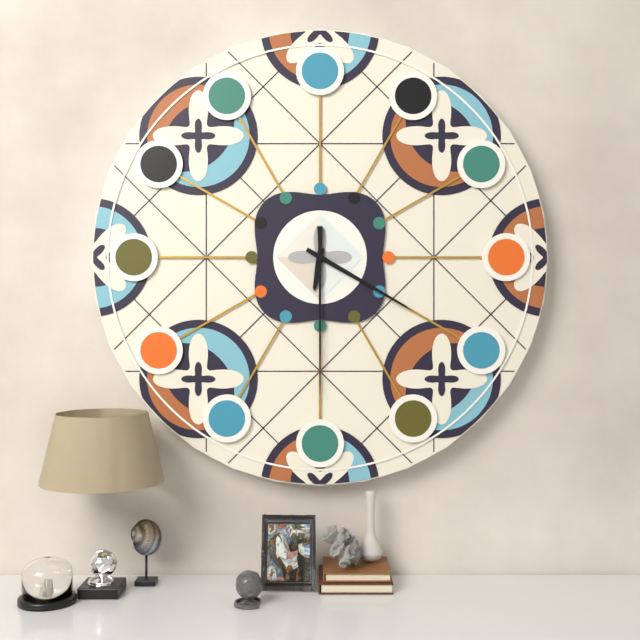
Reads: **6:20:30**
